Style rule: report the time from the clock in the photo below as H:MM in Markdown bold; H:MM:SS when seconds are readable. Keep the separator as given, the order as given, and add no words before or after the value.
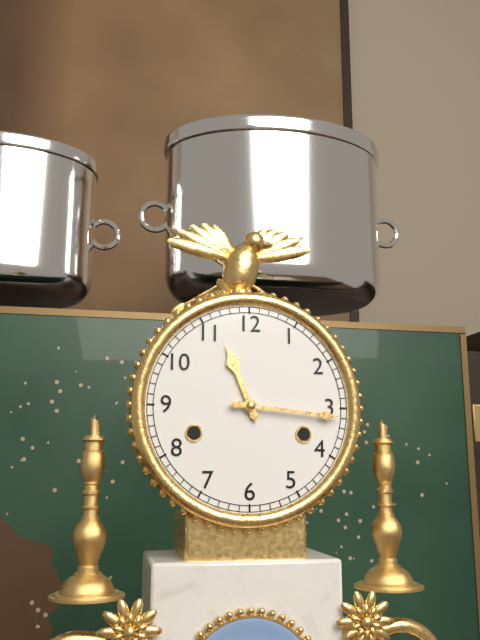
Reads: **11:16**
